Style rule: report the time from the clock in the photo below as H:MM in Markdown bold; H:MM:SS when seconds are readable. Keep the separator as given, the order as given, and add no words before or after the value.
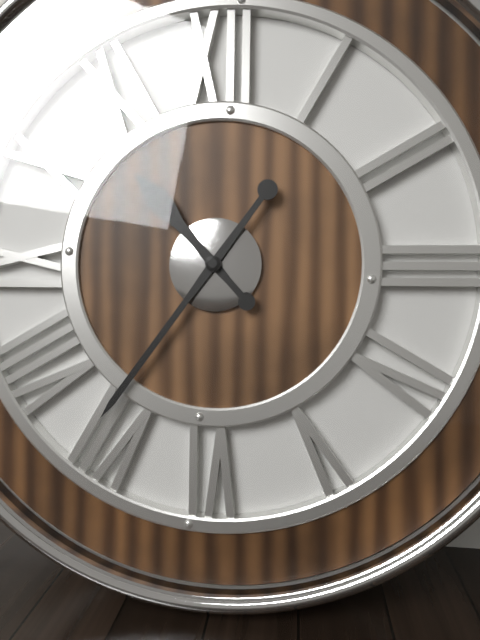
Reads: **10:36**
